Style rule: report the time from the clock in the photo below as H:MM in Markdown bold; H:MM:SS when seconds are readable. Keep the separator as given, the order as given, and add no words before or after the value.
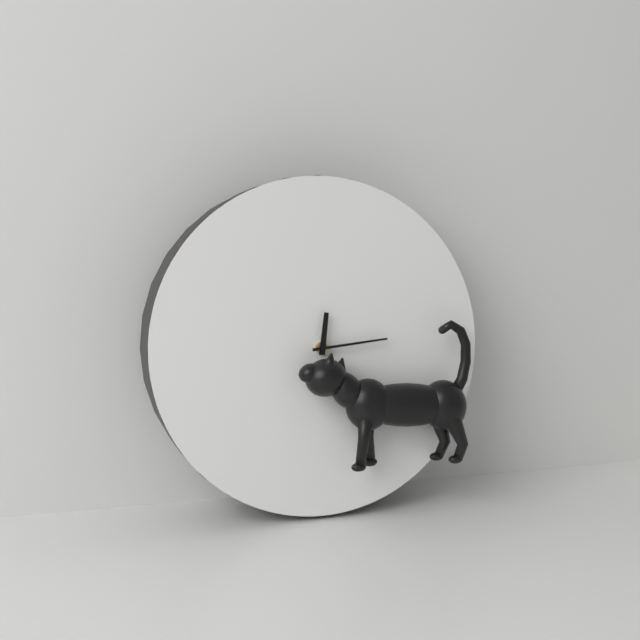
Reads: **12:14**
